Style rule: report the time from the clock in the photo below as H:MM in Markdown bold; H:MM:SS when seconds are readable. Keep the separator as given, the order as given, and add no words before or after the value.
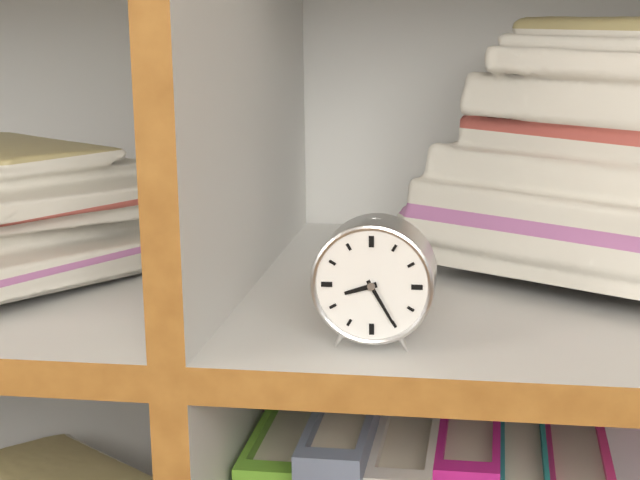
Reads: **8:25**
